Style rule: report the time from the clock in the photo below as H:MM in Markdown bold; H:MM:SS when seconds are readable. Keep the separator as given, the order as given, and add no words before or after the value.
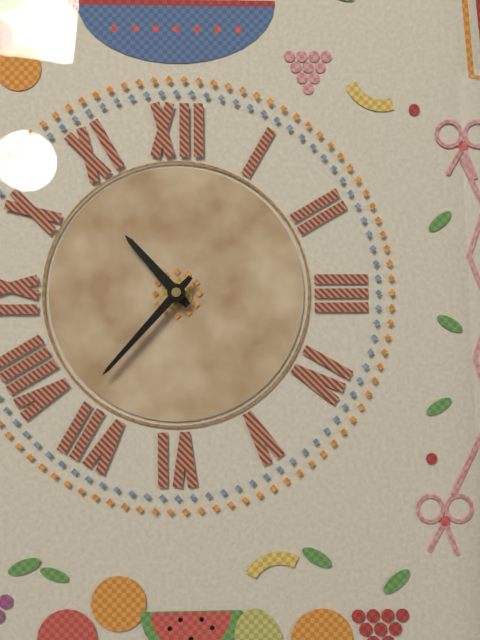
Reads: **10:37**
